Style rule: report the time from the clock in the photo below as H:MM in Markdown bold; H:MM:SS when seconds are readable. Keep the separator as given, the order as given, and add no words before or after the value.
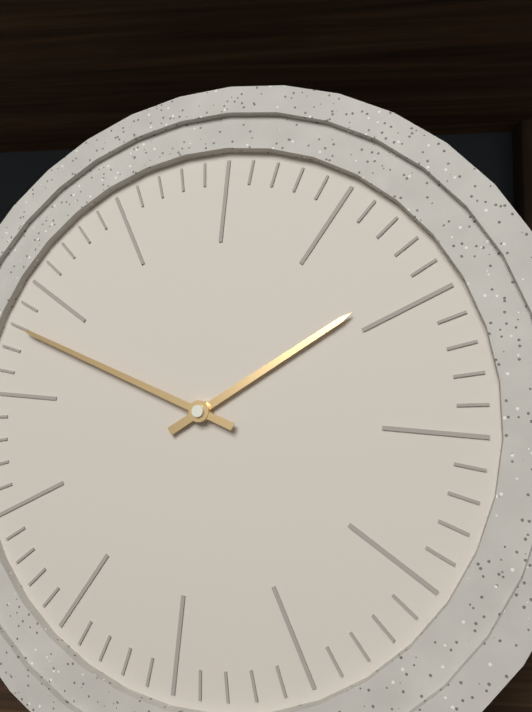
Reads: **1:48**
